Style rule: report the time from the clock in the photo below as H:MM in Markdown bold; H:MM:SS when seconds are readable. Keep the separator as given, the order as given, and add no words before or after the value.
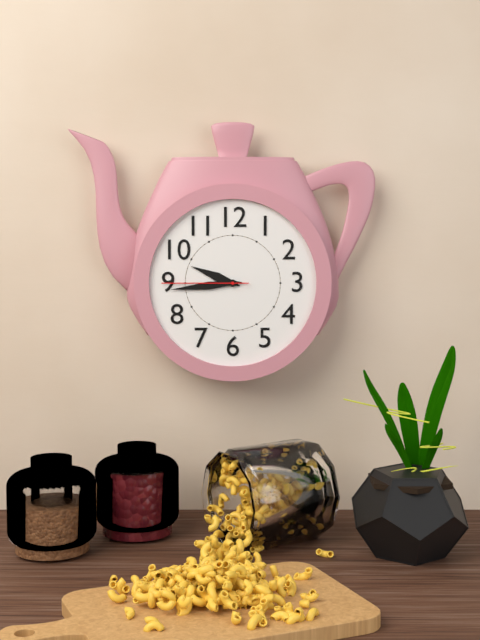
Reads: **9:44:45**
